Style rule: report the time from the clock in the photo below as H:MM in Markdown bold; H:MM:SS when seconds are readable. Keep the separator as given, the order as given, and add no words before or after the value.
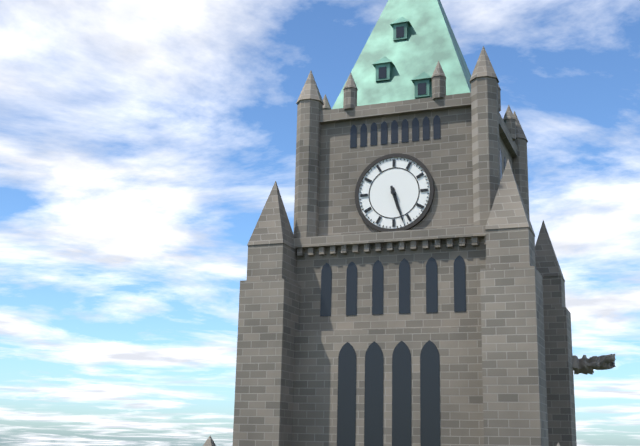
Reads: **5:27**
